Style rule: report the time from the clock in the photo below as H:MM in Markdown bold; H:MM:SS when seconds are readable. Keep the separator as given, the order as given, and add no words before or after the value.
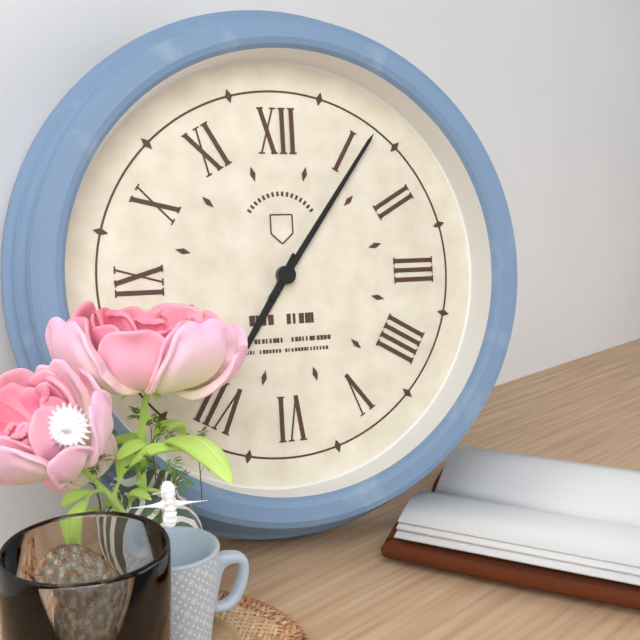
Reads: **7:06**
